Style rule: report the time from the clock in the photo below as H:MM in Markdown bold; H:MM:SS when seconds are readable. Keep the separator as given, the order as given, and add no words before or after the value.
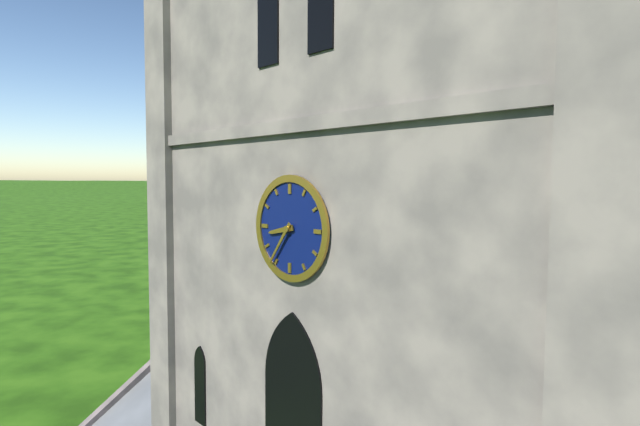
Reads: **8:36**
